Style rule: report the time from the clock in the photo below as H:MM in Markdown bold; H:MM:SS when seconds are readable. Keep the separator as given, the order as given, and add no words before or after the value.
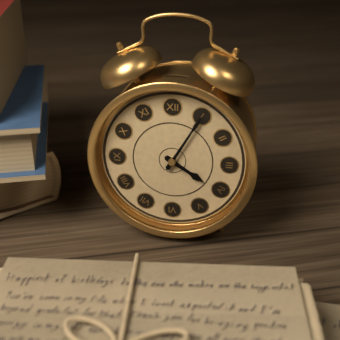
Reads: **4:05**
